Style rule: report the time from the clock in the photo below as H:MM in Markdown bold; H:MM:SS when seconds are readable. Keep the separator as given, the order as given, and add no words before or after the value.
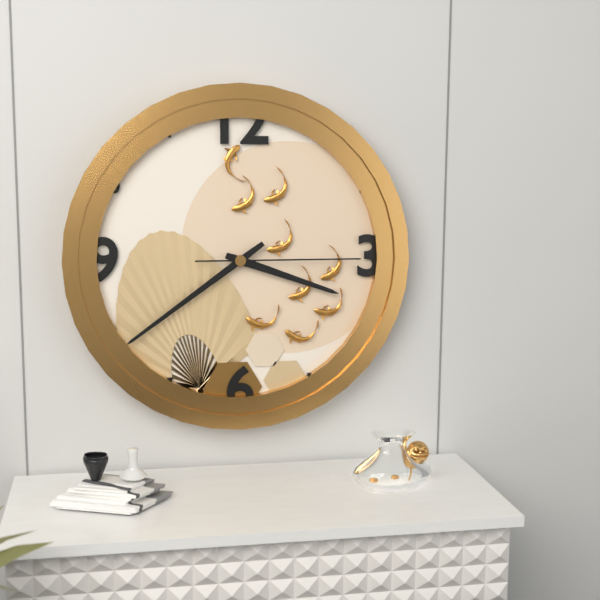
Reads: **3:39:15**
